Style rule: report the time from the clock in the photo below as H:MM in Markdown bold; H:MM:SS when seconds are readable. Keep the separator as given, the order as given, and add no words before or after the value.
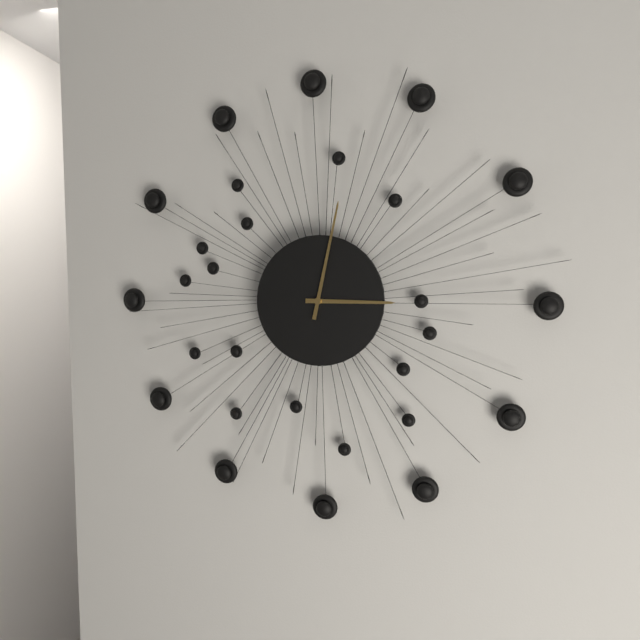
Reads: **3:02**
